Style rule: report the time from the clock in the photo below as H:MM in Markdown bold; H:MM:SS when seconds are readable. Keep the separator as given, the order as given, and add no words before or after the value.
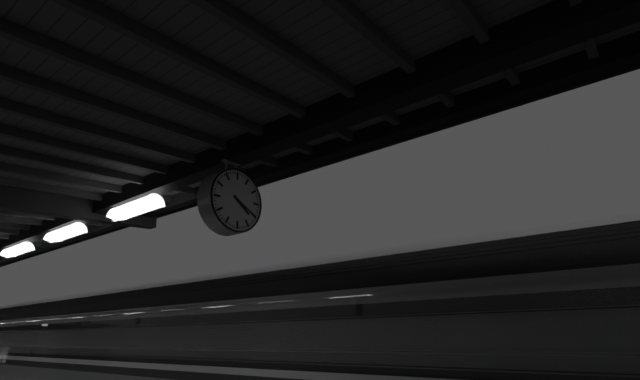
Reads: **4:20**
